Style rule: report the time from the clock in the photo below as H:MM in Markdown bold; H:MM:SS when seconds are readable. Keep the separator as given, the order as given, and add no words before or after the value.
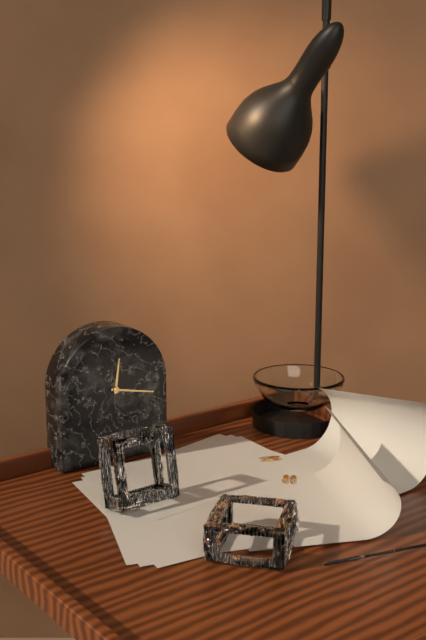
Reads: **12:17**
